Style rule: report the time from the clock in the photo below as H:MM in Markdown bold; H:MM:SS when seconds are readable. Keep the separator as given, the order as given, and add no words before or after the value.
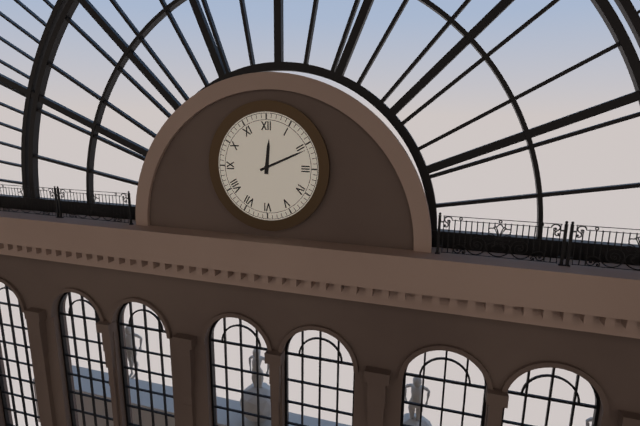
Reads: **12:11**
